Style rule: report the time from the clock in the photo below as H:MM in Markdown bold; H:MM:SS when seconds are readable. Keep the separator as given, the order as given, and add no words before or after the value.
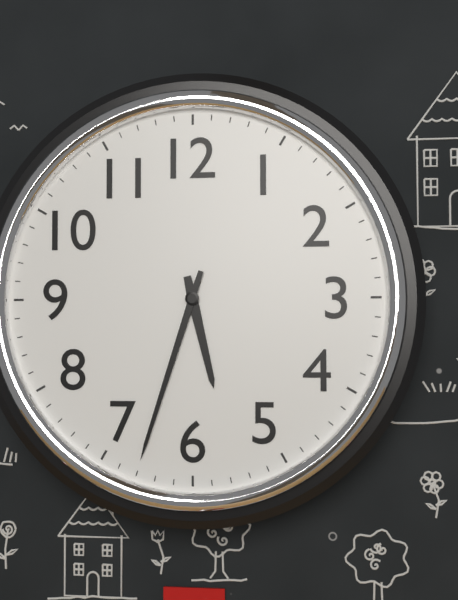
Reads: **5:33**
